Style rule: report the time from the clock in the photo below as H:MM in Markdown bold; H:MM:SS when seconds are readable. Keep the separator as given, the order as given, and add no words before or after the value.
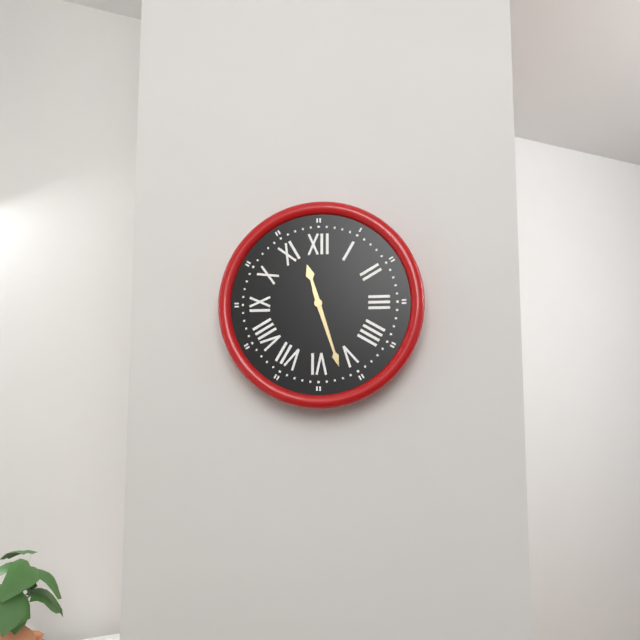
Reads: **11:27**
